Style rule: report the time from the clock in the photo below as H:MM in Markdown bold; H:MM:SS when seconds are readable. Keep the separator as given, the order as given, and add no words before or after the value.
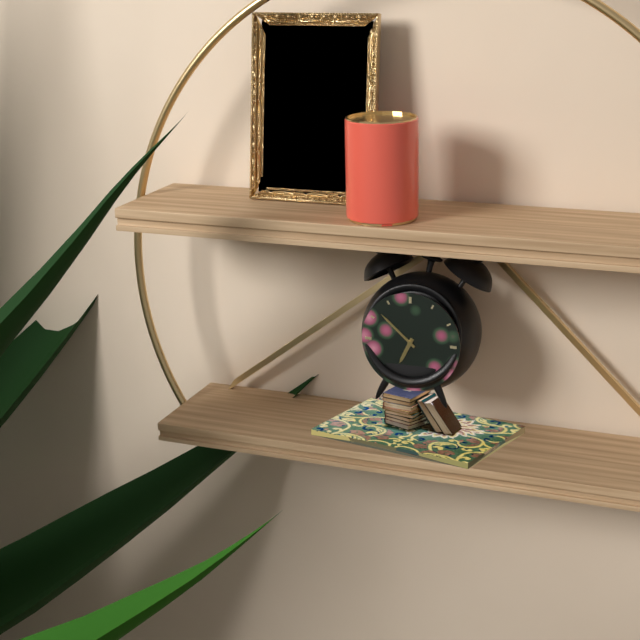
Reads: **6:52**
